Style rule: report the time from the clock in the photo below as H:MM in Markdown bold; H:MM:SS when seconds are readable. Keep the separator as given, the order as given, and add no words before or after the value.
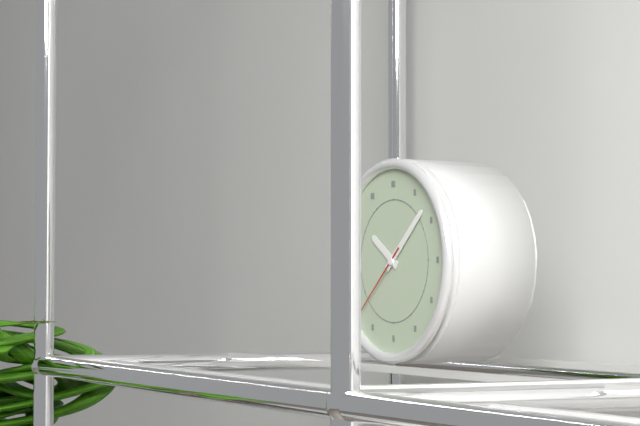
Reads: **10:08:38**
